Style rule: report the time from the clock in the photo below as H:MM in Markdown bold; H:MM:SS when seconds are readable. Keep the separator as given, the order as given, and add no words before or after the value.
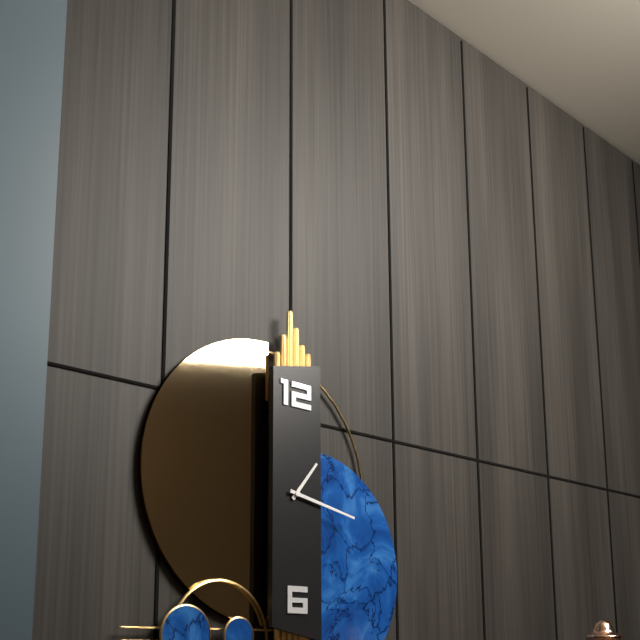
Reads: **1:17**
